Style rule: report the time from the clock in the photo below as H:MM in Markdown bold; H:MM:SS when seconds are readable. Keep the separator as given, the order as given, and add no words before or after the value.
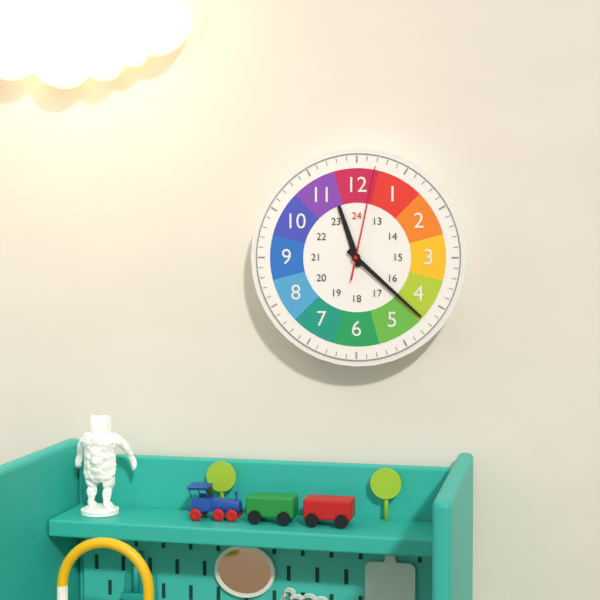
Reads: **11:22:02**
